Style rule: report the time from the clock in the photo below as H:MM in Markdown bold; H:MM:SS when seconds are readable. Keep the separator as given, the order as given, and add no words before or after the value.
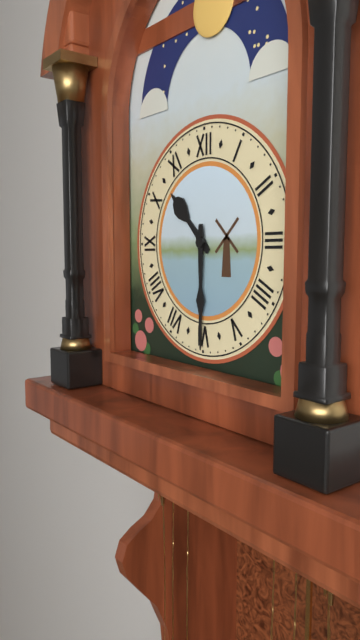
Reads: **10:30**
